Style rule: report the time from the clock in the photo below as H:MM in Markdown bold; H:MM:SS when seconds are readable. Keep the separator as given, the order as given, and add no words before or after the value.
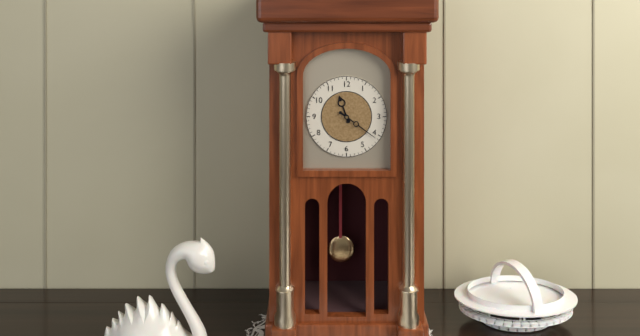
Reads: **11:21**
